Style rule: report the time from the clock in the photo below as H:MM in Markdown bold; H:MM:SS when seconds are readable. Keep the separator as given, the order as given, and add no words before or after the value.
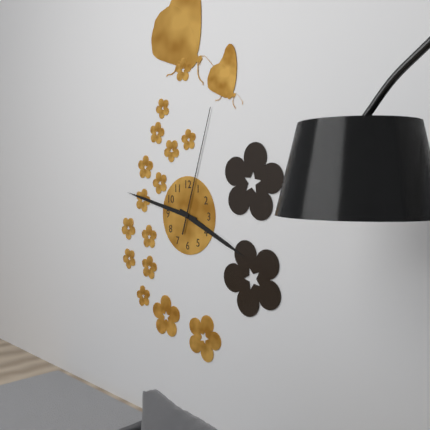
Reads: **3:47:03**
